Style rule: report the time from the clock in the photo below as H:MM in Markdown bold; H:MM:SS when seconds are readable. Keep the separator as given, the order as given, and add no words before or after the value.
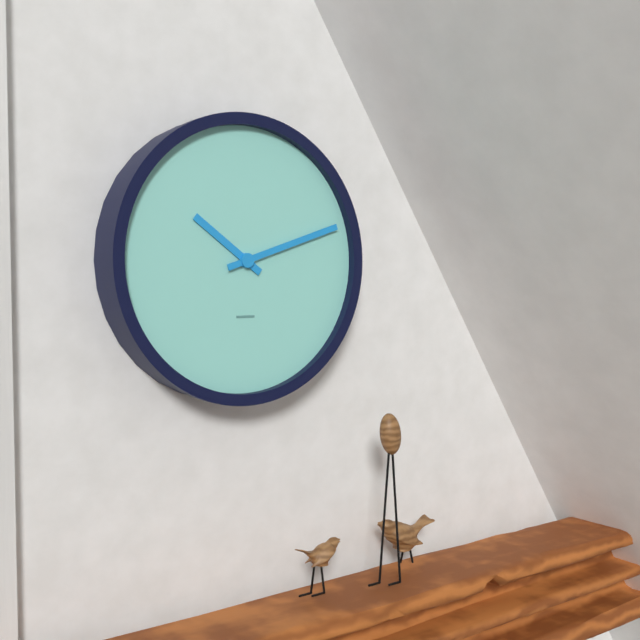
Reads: **10:12**
